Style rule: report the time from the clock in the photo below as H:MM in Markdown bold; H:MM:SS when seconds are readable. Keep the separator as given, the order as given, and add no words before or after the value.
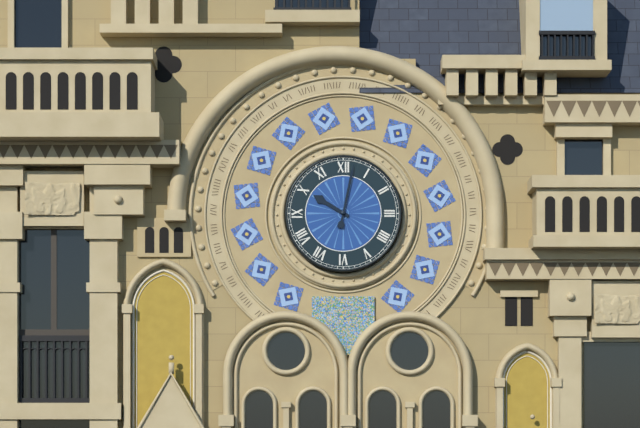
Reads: **10:02**
